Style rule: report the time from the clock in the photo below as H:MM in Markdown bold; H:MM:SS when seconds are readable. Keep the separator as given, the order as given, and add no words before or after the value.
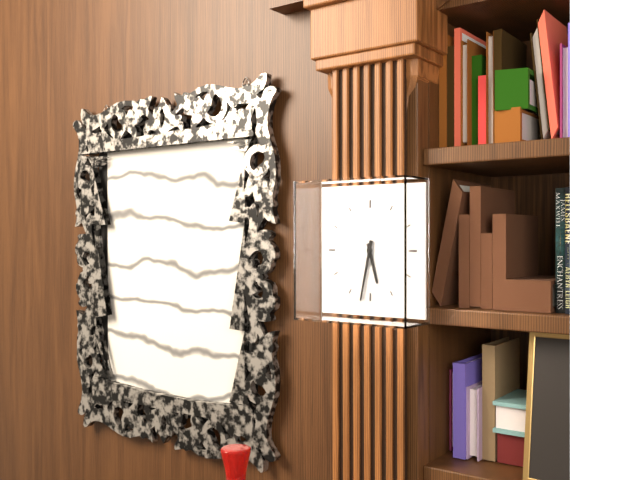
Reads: **5:32**
